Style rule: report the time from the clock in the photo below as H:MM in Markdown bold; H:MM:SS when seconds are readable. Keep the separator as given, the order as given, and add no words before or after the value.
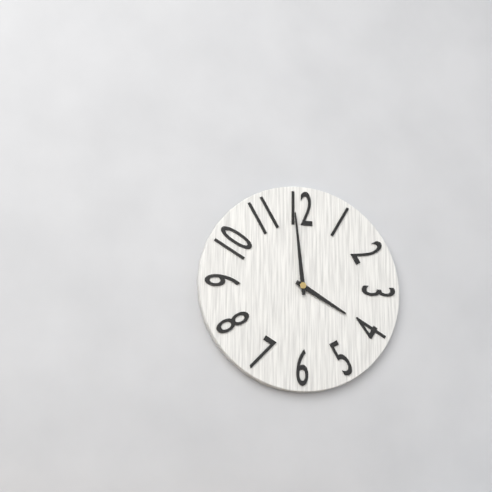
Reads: **3:59**
